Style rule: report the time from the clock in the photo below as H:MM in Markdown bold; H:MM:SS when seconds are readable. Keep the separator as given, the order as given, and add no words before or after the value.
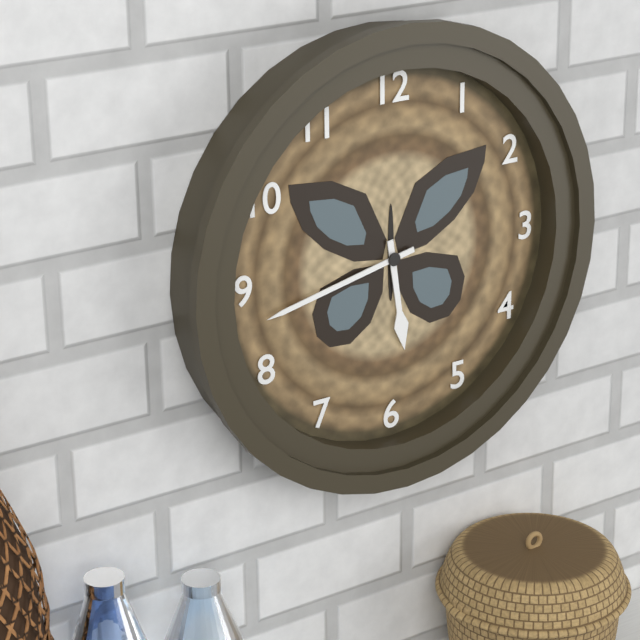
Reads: **5:43**
